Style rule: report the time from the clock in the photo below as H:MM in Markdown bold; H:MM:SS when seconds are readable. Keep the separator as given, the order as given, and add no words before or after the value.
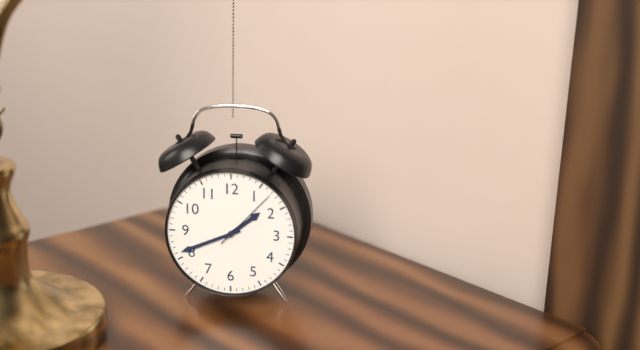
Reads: **1:41:07**
